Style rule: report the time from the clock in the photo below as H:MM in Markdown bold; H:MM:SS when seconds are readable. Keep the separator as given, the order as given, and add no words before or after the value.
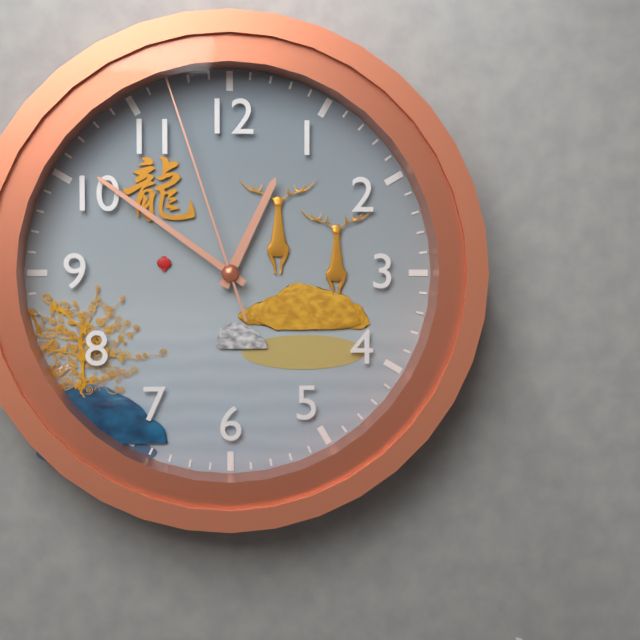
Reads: **12:51:57**
